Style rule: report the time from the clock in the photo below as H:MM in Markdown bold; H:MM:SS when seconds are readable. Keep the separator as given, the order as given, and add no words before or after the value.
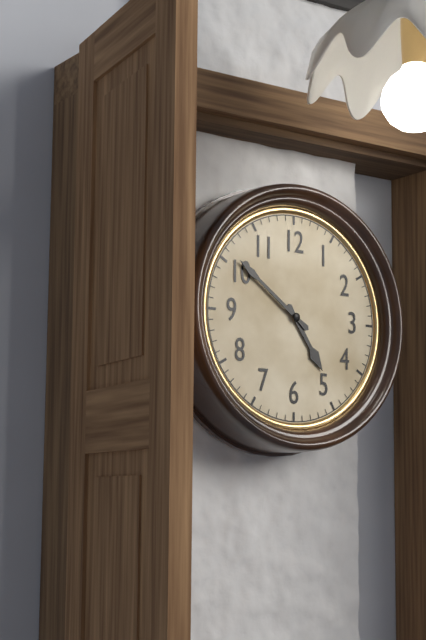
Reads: **4:51**
